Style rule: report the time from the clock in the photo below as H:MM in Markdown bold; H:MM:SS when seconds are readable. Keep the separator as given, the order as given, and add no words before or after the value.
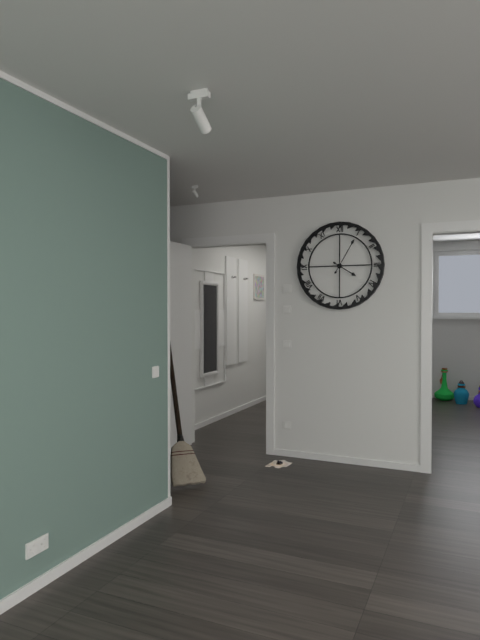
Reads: **4:05**
